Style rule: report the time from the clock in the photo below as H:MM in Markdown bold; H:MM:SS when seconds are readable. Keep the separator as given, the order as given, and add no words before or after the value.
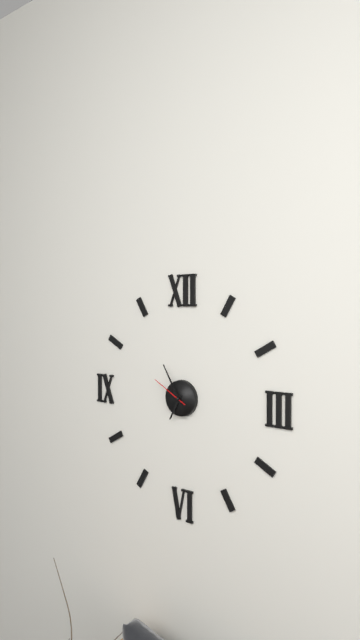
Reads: **6:55**
